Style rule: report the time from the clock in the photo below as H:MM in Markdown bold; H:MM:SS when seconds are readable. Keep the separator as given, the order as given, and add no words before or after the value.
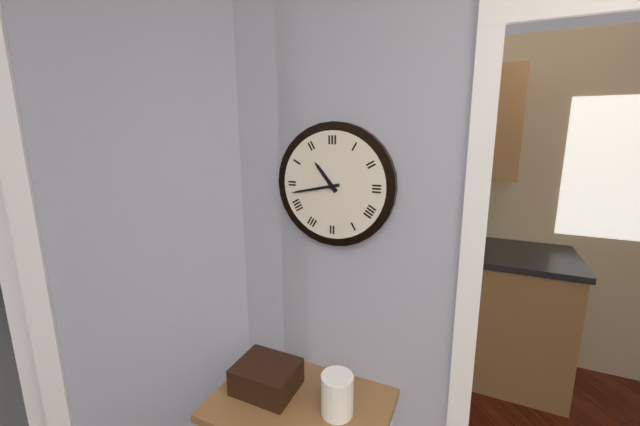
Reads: **10:43**
